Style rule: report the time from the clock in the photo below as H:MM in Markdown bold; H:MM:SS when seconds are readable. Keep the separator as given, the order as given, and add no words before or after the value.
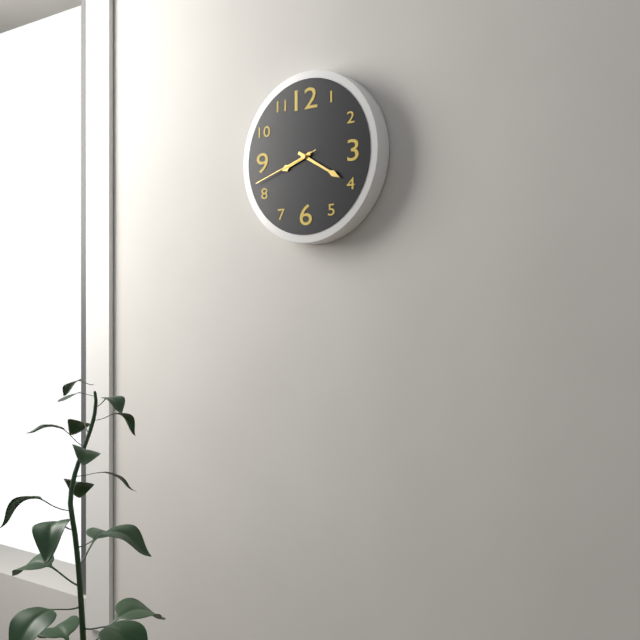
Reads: **8:20:42**
